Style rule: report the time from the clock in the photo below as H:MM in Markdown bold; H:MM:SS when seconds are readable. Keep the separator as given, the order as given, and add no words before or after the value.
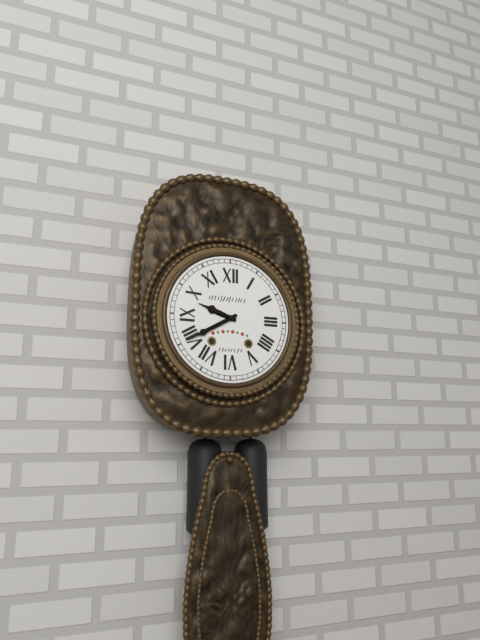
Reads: **9:40**
